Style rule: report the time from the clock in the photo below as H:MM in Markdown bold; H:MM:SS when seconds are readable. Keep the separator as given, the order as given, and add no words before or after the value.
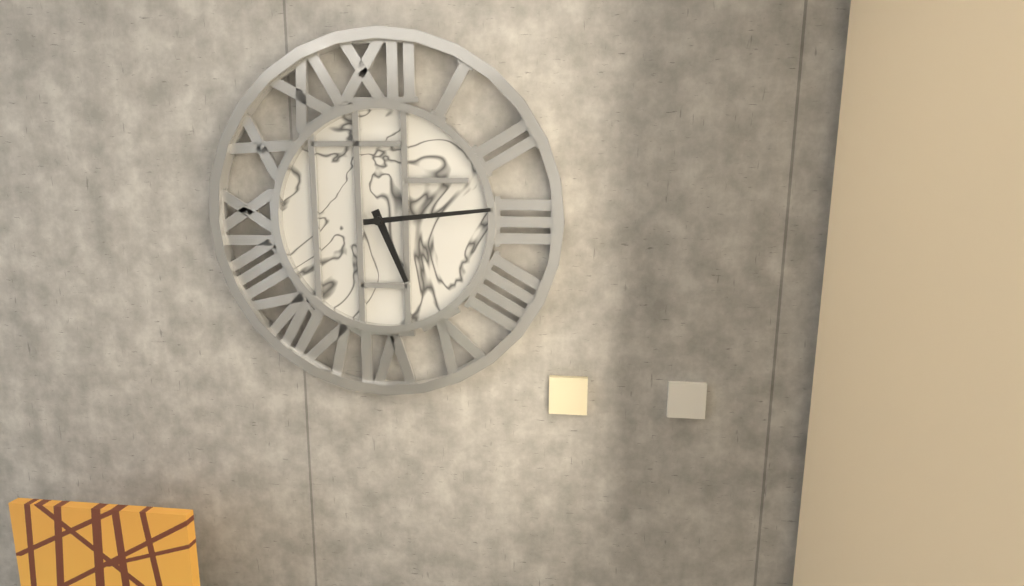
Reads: **5:14**
